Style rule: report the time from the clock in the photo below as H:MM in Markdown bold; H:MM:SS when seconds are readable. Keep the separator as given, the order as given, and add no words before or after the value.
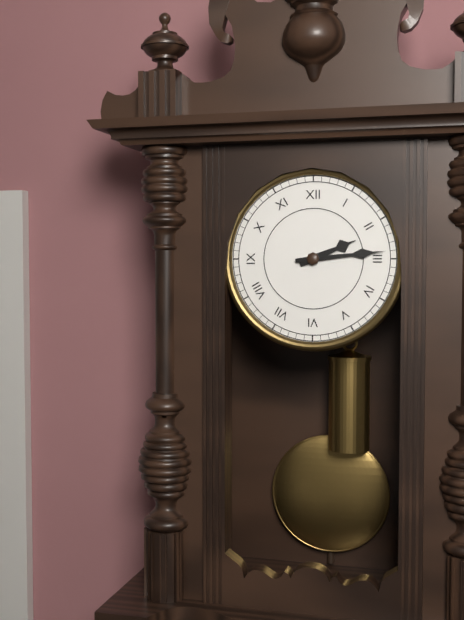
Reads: **2:14**
